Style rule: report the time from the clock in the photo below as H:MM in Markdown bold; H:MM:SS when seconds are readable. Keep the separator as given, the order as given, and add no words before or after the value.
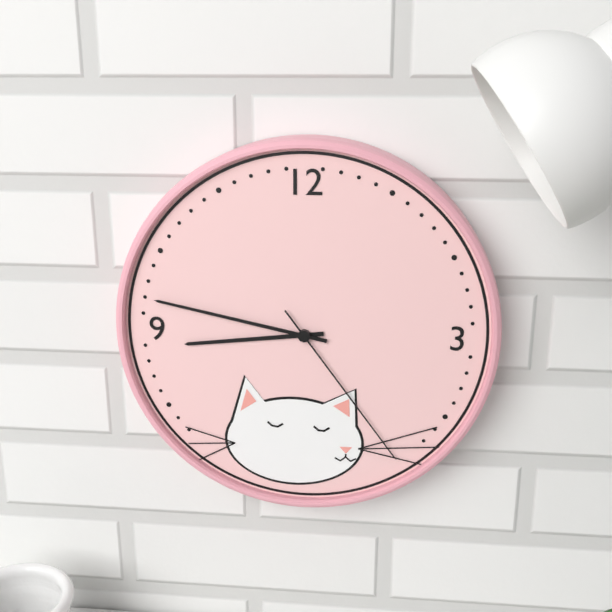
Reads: **8:47:24**
